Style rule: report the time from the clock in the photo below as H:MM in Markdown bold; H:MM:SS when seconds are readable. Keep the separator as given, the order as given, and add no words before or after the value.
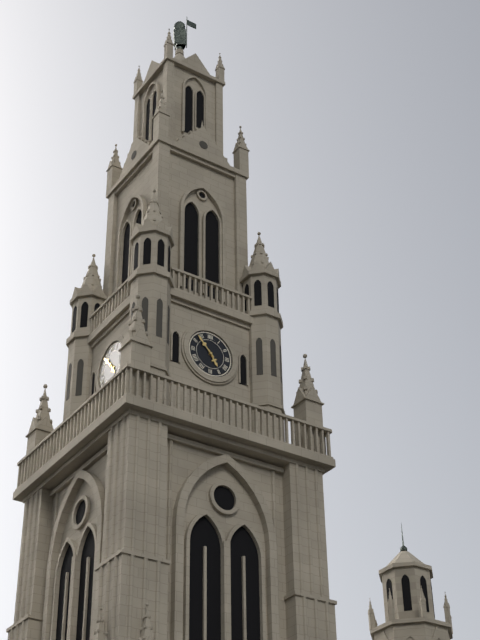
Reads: **4:53**
